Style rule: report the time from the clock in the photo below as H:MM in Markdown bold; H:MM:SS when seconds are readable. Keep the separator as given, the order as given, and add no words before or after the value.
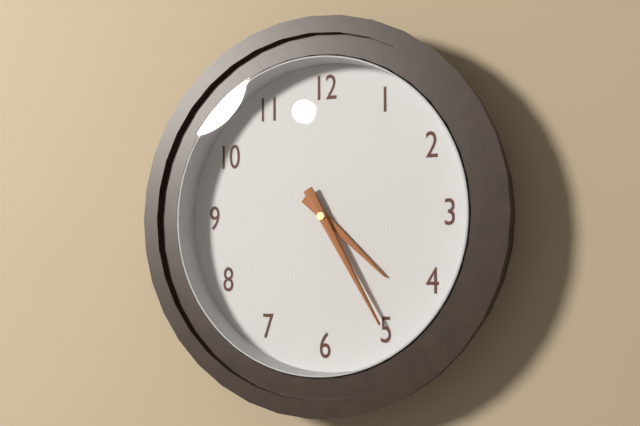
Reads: **4:25**
